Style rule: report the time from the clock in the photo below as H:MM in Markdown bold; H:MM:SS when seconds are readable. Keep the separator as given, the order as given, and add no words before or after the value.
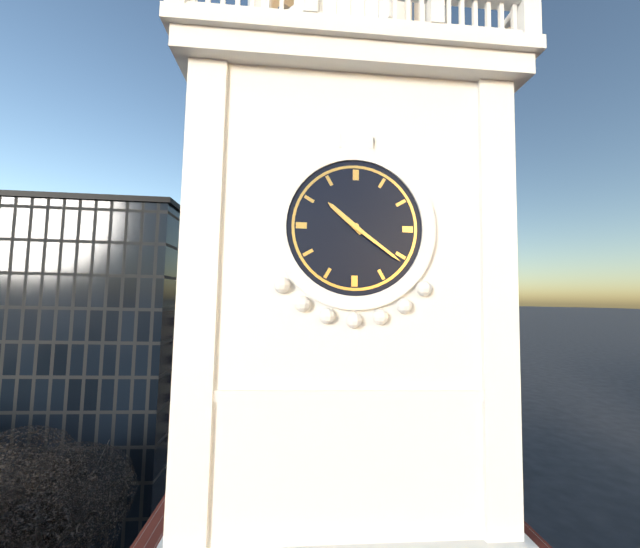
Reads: **10:21**
